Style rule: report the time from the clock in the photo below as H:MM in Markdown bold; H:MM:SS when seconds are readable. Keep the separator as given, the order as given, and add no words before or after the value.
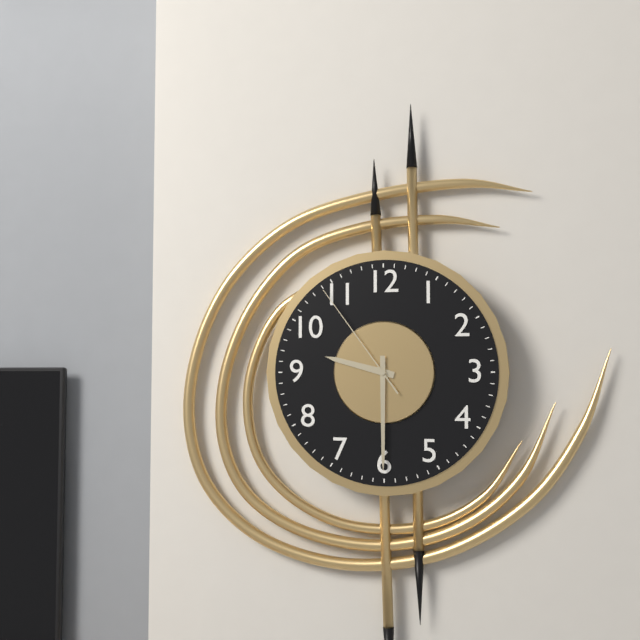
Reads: **9:30:54**
